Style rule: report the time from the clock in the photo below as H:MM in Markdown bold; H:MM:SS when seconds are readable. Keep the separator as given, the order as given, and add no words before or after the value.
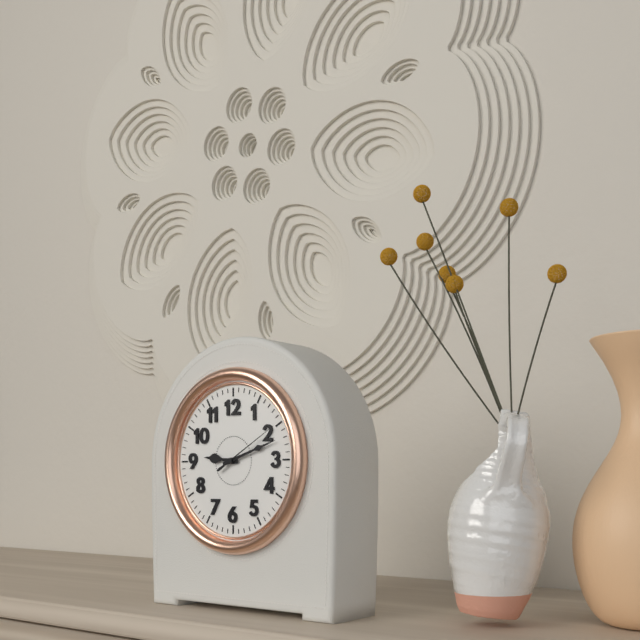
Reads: **9:12:10**
